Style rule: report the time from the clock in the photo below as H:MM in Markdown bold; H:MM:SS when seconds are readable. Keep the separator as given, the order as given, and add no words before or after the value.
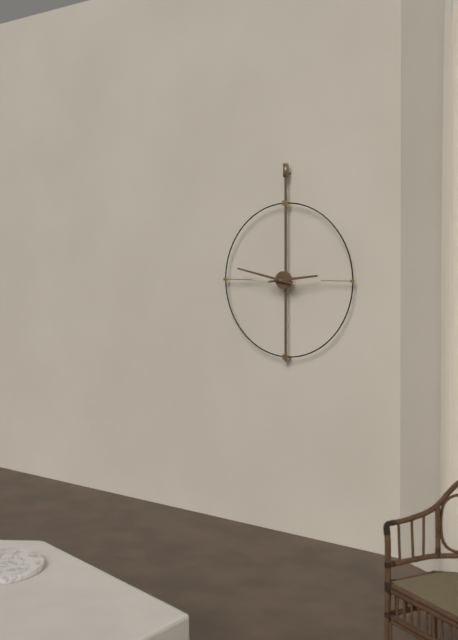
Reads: **2:47**
